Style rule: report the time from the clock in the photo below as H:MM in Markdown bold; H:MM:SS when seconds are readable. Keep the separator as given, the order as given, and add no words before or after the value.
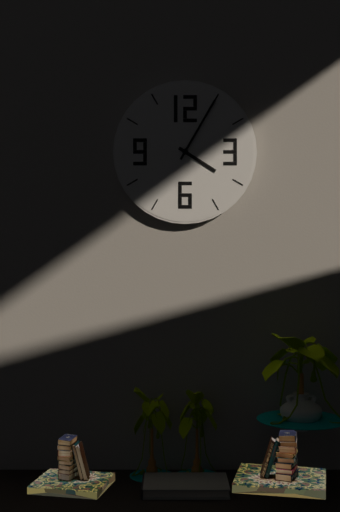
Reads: **4:05**
